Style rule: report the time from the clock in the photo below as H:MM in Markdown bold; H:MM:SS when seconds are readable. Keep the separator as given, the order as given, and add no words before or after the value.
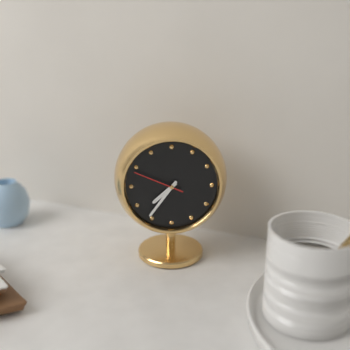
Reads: **7:36:49**
